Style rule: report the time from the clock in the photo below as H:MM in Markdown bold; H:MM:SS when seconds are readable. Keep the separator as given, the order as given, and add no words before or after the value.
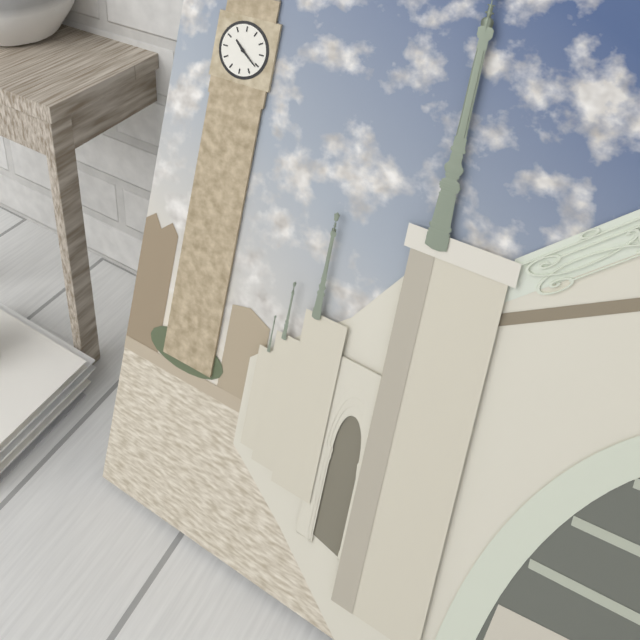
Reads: **10:21**
